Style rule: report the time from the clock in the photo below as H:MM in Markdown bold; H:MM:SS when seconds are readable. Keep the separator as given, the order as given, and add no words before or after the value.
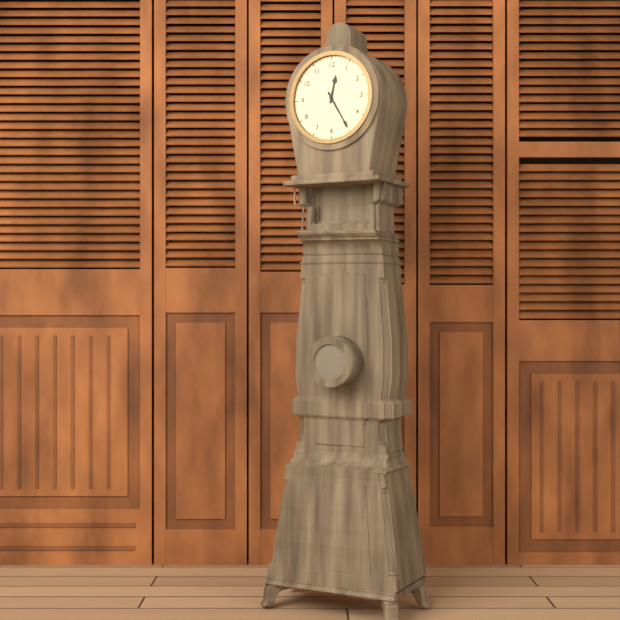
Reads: **12:25**
